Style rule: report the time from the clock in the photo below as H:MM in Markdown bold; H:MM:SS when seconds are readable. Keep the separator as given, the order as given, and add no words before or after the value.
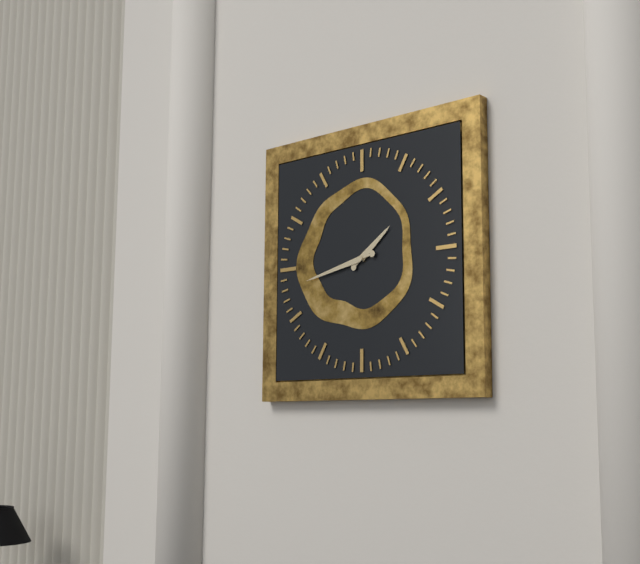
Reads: **1:43**
